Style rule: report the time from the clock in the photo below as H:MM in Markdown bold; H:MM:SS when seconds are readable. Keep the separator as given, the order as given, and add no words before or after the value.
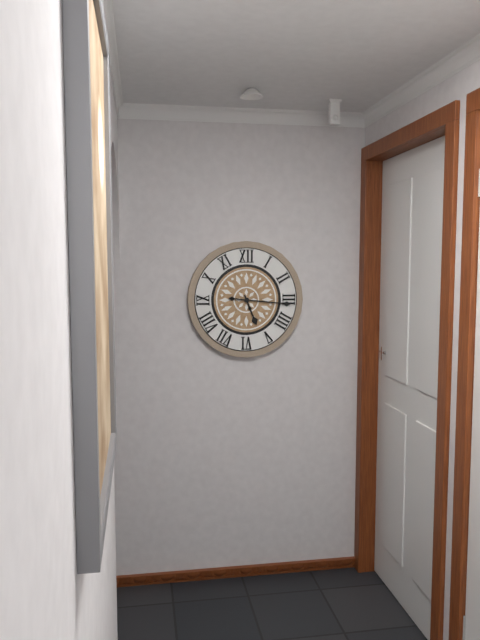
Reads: **5:16**
